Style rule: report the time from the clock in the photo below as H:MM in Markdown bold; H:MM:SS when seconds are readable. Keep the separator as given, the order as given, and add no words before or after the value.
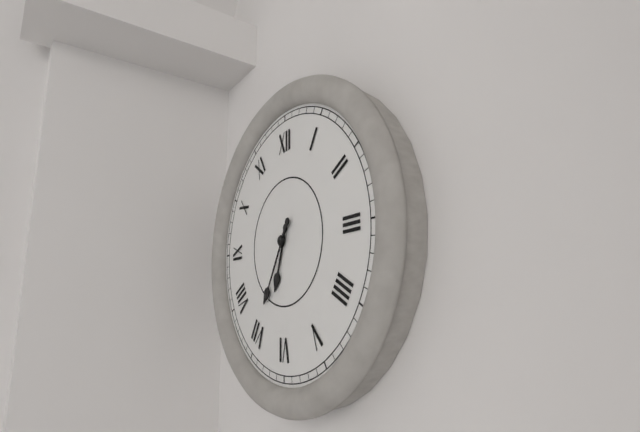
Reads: **6:35**
